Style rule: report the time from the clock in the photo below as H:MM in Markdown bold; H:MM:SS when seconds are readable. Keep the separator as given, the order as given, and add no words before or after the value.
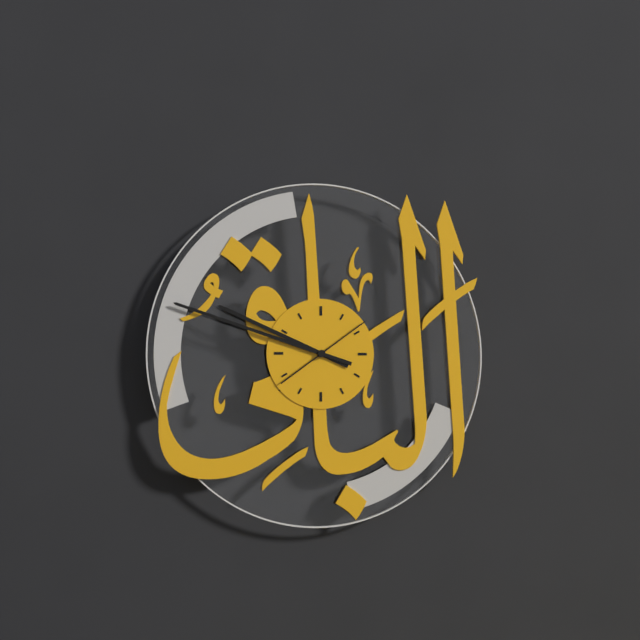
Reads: **9:48:09**
